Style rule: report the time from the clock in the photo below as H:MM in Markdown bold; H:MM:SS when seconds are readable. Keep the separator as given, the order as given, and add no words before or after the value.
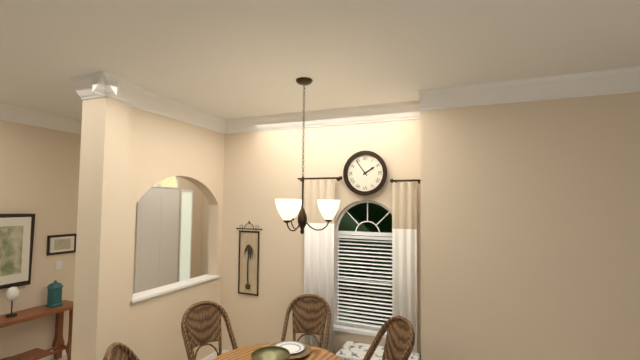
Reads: **1:54**
